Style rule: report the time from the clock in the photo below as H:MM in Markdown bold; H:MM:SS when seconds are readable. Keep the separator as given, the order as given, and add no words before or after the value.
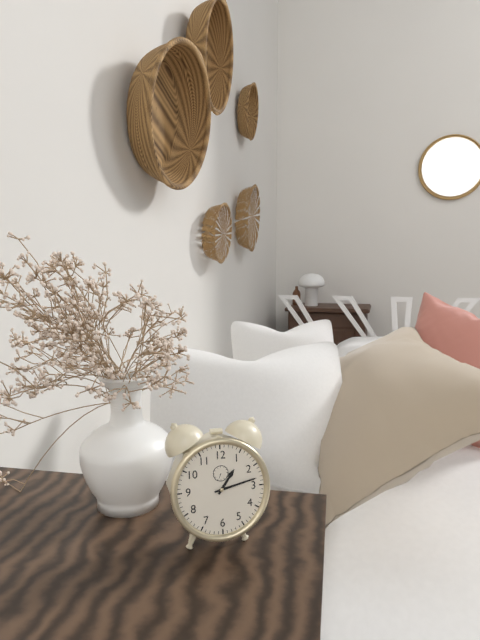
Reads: **1:13**
